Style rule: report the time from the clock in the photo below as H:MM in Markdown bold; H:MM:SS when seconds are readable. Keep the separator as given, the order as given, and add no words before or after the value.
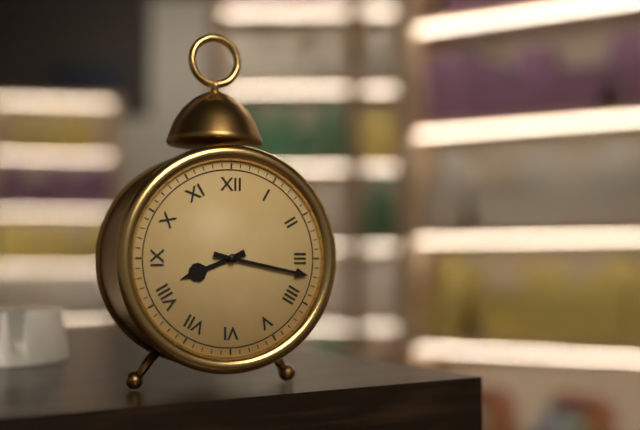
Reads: **8:17**
